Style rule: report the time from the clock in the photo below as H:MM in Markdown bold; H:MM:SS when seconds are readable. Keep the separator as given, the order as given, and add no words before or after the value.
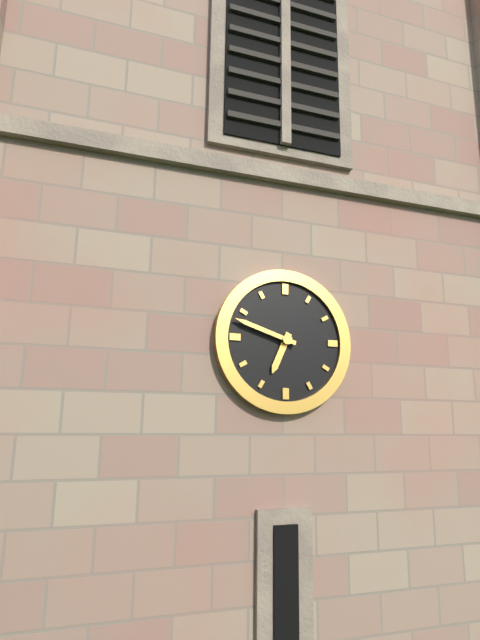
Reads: **6:48**
